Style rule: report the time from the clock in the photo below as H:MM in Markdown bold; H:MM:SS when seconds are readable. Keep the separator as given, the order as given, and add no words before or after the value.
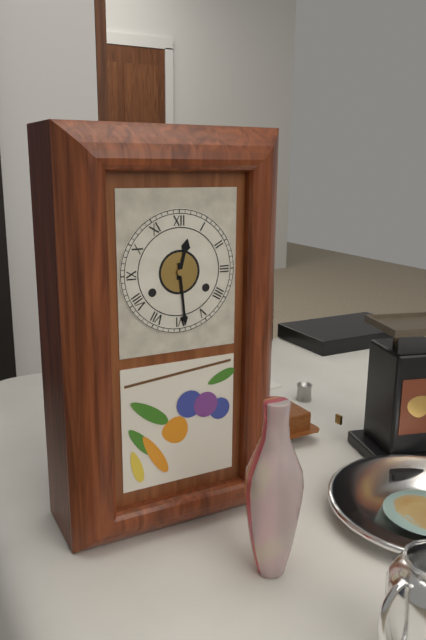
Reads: **12:29**
